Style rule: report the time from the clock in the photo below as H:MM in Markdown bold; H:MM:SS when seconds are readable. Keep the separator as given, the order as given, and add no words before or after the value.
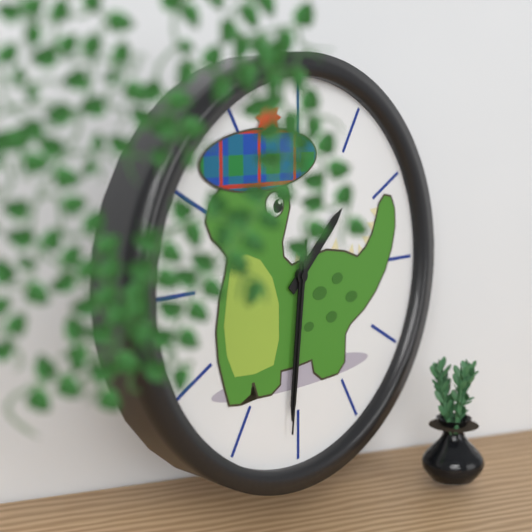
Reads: **1:31:31**
